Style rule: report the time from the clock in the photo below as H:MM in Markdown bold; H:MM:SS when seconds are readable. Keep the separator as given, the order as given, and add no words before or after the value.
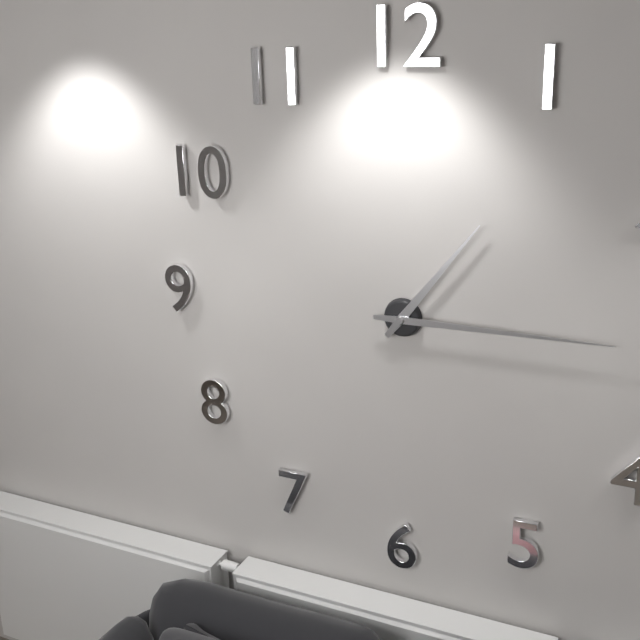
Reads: **1:15**
